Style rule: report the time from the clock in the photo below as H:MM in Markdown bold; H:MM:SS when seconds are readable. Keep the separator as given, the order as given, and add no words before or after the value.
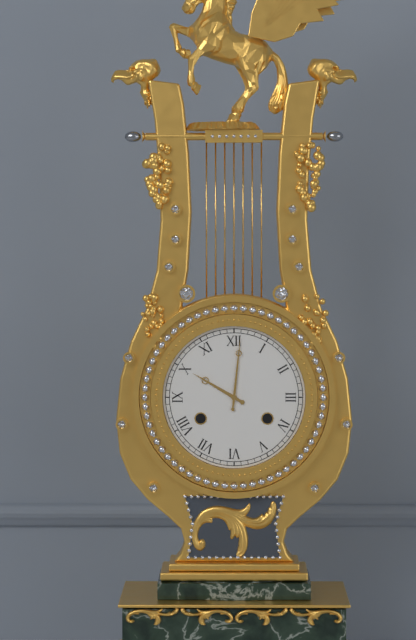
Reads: **10:01**
